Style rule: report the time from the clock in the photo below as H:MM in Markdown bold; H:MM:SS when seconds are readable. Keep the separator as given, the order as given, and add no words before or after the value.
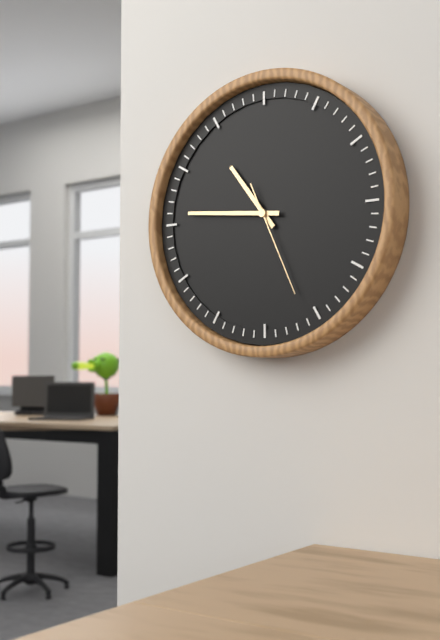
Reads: **10:46:26**
